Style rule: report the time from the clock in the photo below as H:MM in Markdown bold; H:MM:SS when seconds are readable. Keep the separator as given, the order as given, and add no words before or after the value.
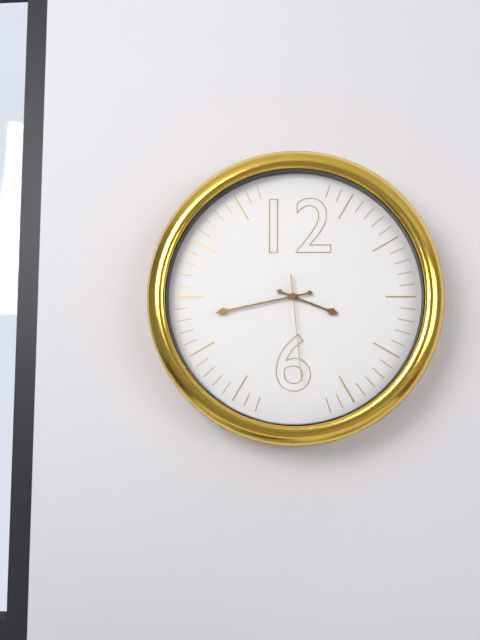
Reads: **3:43:29**
